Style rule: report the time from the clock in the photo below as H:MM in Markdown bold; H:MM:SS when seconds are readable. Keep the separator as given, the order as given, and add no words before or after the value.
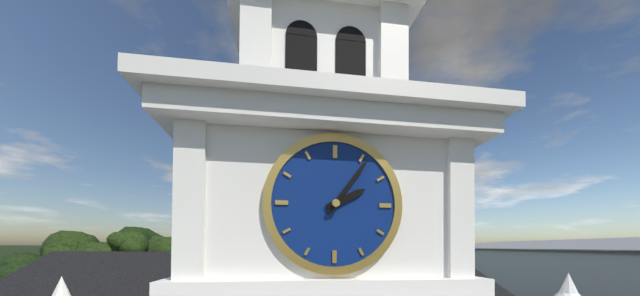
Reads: **2:06**
